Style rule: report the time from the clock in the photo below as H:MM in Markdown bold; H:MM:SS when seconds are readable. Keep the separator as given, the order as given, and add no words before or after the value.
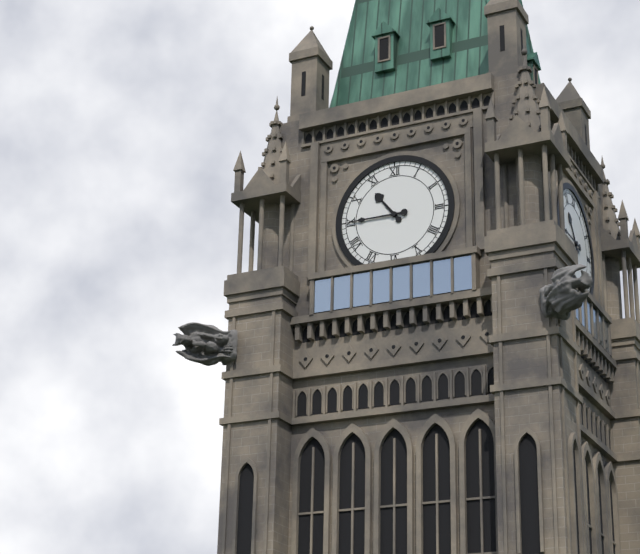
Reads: **10:45**
